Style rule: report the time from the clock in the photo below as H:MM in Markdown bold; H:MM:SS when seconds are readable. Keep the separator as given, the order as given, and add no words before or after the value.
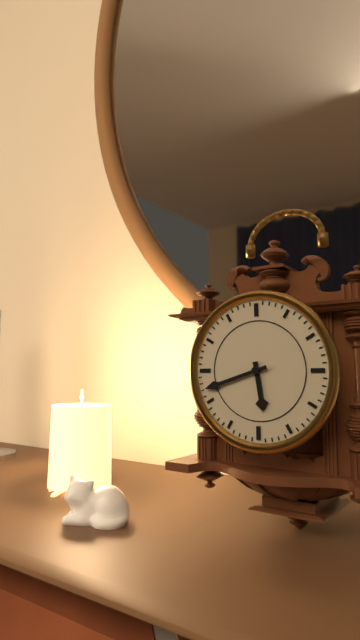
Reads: **5:42**
